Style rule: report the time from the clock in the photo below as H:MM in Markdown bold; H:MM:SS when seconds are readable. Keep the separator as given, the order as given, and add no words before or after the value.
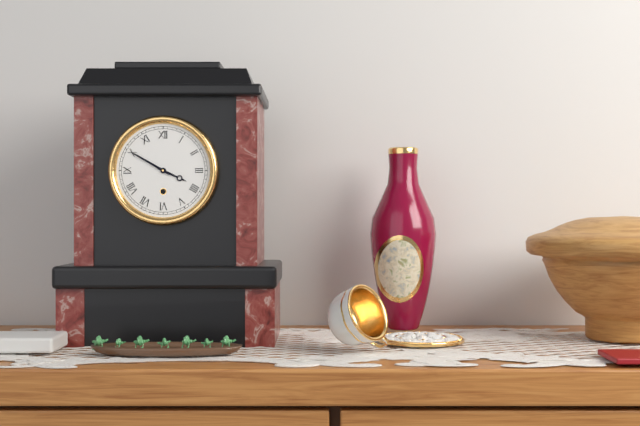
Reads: **3:50**
